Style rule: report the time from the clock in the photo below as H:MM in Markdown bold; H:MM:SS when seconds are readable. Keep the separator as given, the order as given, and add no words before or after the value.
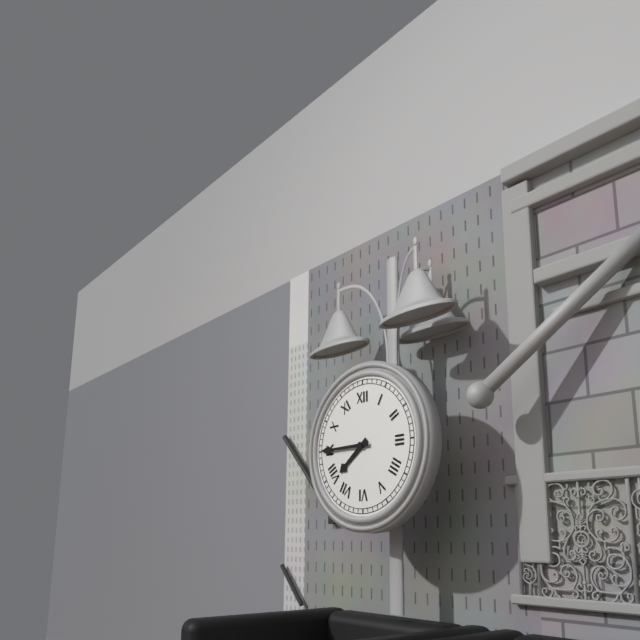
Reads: **7:45**
